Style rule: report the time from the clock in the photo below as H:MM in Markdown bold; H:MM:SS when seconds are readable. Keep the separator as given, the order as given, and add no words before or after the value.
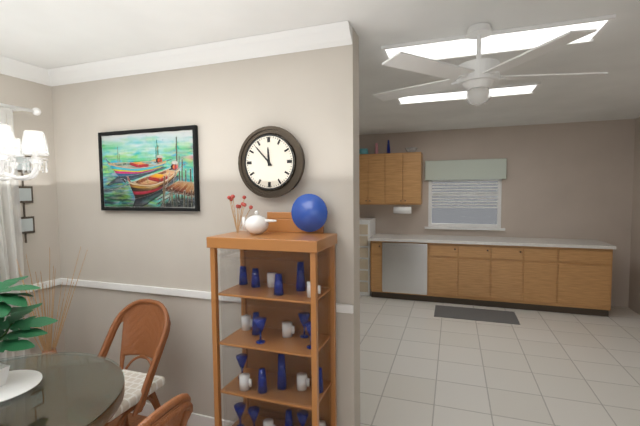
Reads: **11:53**
